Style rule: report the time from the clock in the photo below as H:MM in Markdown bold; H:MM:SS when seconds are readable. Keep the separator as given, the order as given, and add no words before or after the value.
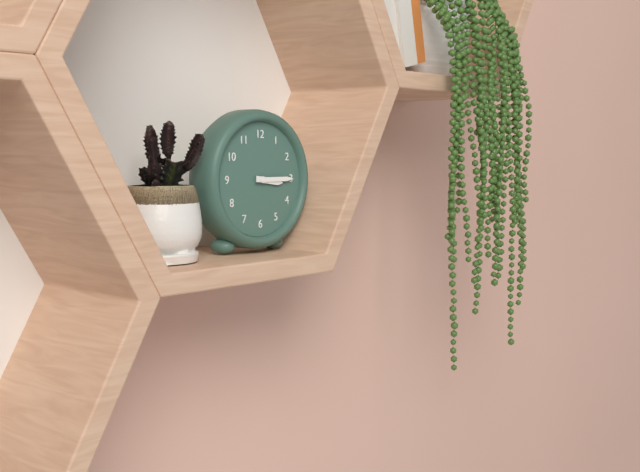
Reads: **3:15**
